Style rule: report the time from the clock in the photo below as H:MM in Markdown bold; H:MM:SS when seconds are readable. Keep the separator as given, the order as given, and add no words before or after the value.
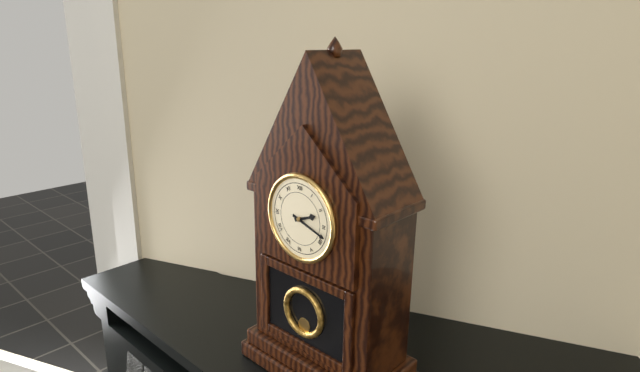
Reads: **2:18**
